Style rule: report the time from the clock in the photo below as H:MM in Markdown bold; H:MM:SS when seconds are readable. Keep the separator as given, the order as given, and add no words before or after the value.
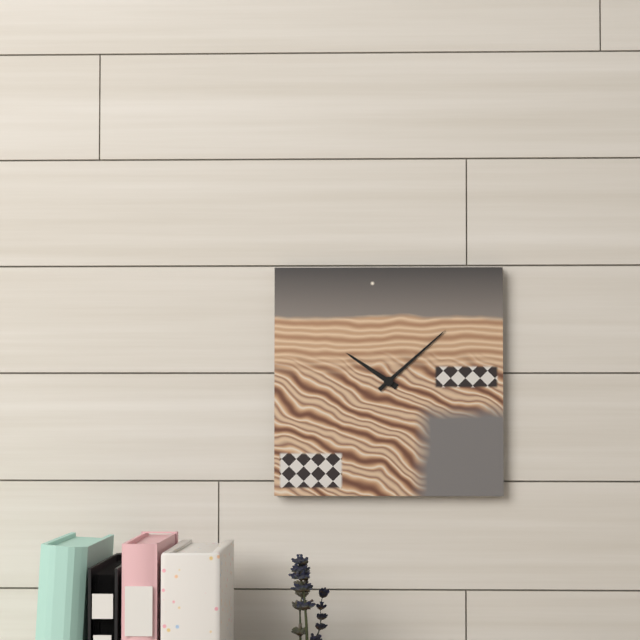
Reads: **10:08**
